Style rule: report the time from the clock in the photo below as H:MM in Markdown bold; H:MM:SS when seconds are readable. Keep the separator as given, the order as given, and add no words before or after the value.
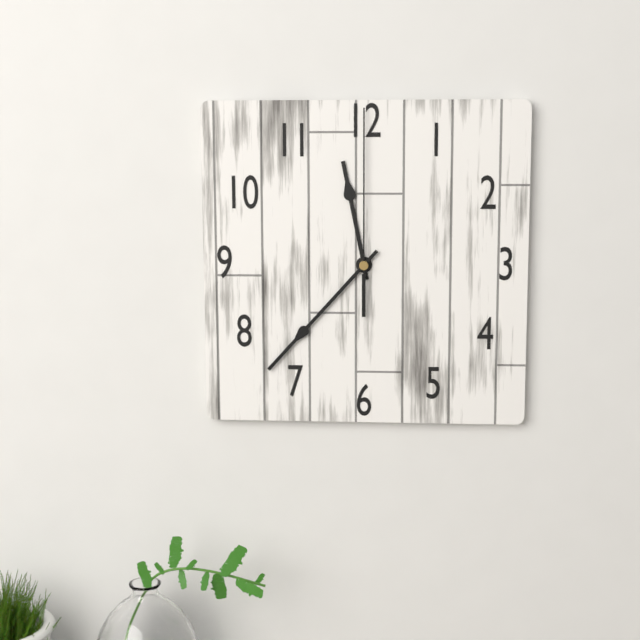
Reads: **11:37:00**
